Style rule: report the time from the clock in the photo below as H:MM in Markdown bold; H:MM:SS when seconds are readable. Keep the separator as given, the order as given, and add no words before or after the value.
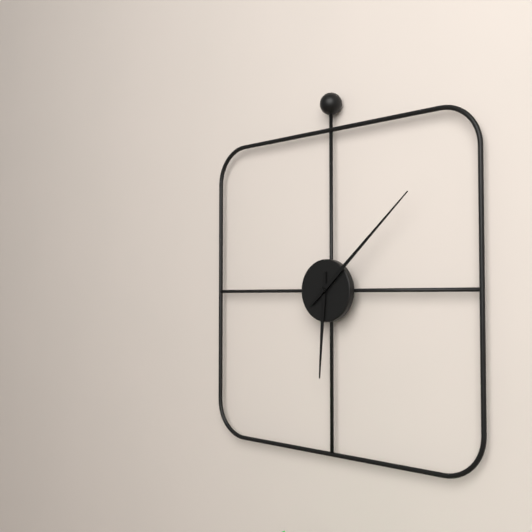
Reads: **6:08**
